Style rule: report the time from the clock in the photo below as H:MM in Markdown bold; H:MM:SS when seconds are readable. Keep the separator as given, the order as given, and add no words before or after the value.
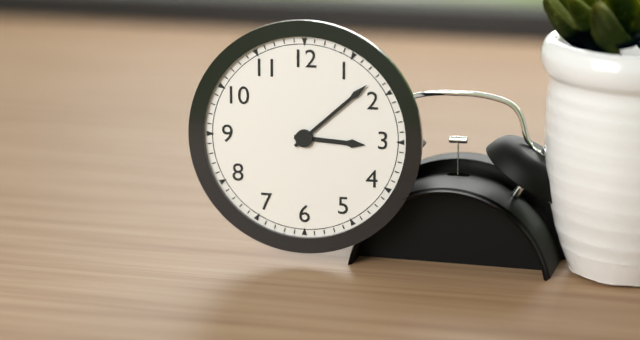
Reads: **3:08**
